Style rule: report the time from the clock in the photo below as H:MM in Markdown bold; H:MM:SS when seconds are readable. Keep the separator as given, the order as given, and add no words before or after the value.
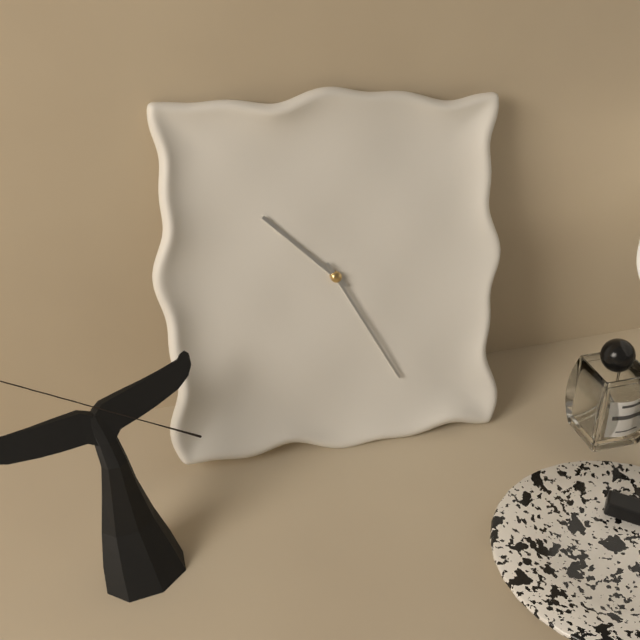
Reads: **10:25**
